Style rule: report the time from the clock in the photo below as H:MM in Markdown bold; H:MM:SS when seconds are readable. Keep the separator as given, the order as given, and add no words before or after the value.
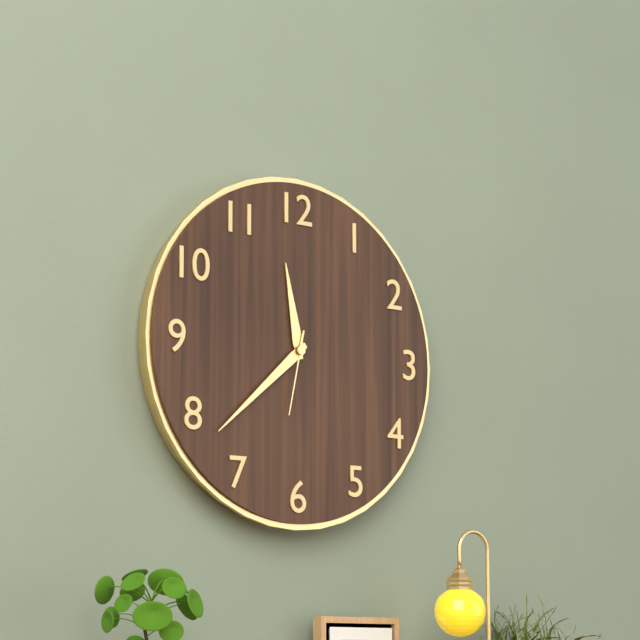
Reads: **11:38:32**
